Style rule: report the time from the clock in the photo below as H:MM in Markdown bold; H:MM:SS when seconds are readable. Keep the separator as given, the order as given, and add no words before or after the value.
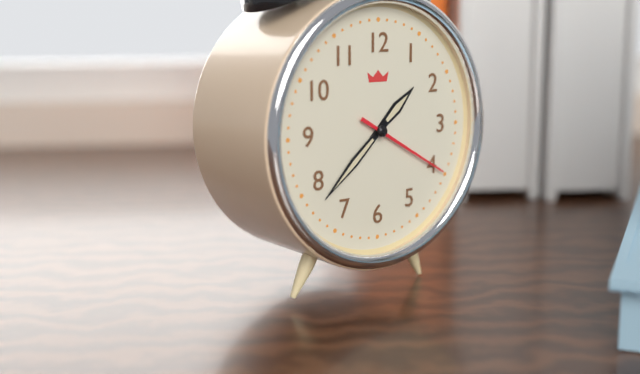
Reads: **1:38:20**
